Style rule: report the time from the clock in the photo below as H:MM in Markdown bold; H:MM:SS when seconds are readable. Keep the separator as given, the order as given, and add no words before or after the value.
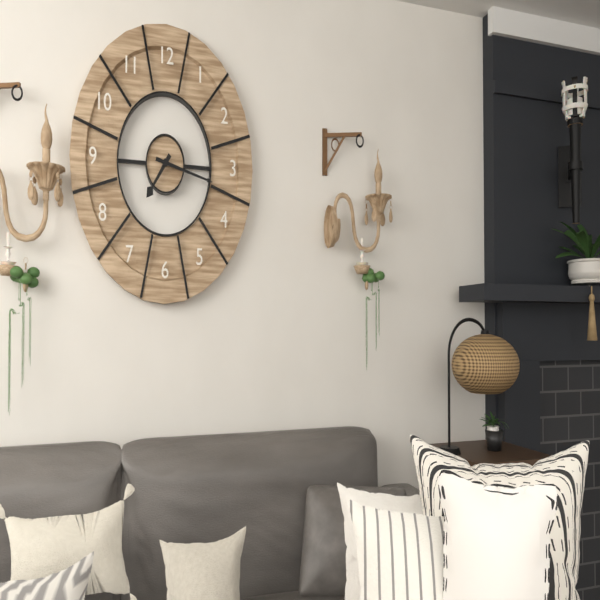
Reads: **7:17**
